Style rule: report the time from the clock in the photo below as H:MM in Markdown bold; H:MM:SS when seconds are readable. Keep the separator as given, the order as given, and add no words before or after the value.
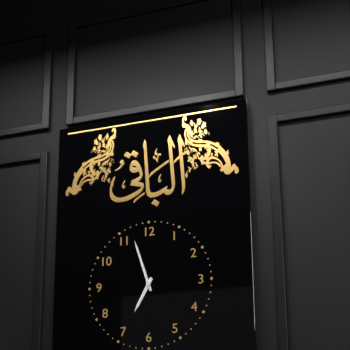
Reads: **6:57**
